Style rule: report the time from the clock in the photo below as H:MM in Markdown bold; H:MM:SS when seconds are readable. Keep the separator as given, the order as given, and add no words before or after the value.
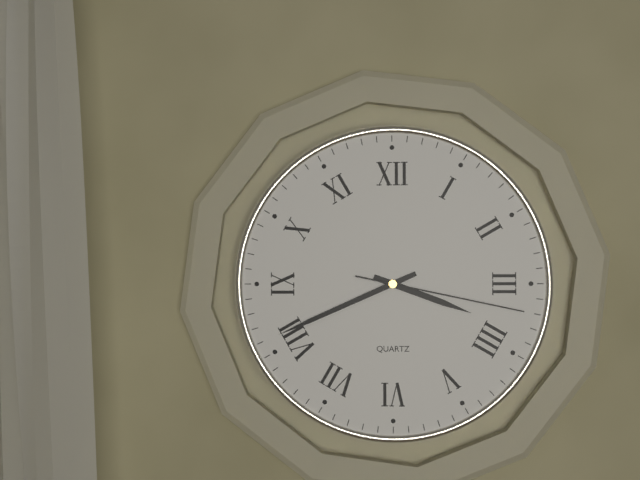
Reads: **3:41:17**
